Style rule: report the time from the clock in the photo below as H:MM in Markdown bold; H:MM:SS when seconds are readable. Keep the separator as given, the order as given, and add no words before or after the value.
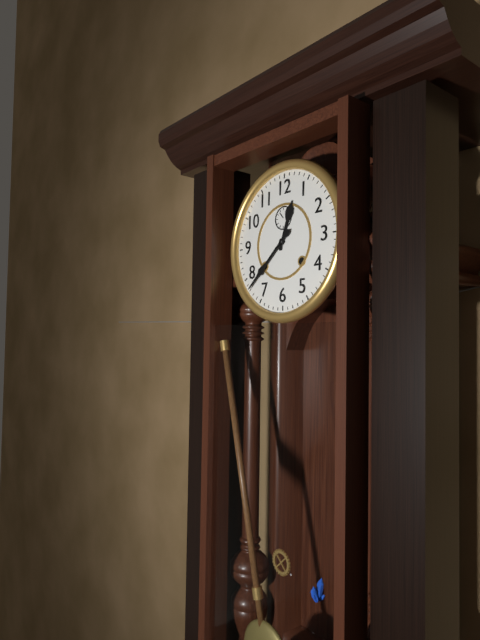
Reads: **12:38**
